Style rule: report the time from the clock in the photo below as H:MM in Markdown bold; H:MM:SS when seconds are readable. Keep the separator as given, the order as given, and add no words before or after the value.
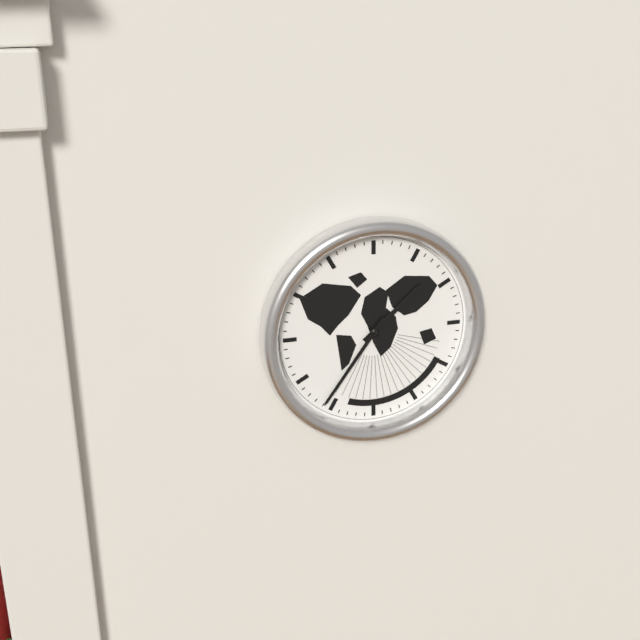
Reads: **1:36**
